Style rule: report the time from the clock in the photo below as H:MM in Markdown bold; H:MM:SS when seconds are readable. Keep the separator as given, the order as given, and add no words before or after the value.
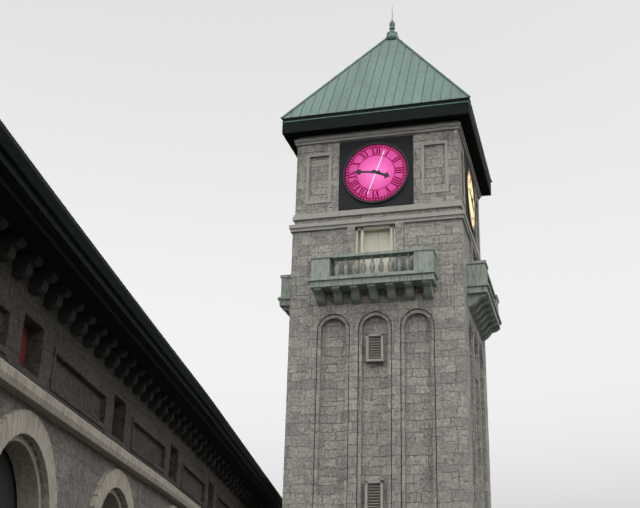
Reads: **3:46**
